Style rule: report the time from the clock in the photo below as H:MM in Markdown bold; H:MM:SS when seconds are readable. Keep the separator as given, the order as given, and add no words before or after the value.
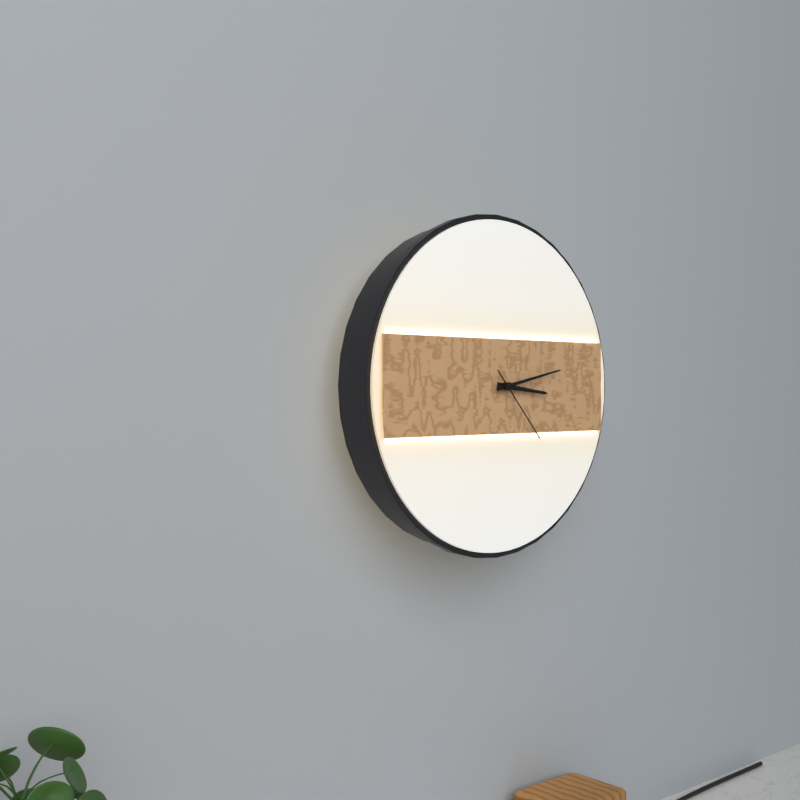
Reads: **3:13:23**
